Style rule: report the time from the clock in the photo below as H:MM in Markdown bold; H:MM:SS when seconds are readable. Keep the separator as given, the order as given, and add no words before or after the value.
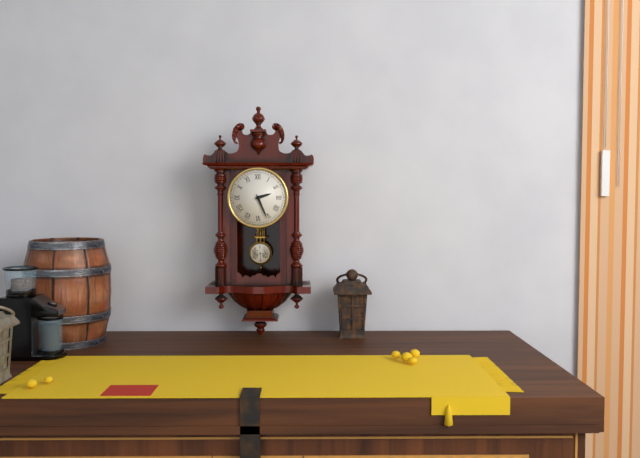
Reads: **2:26**
